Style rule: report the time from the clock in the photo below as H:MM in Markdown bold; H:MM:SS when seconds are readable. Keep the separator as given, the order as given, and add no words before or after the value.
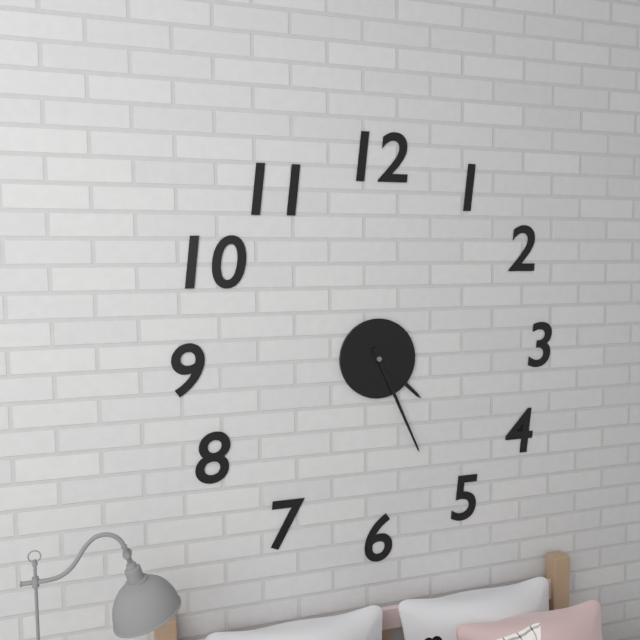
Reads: **4:26**
